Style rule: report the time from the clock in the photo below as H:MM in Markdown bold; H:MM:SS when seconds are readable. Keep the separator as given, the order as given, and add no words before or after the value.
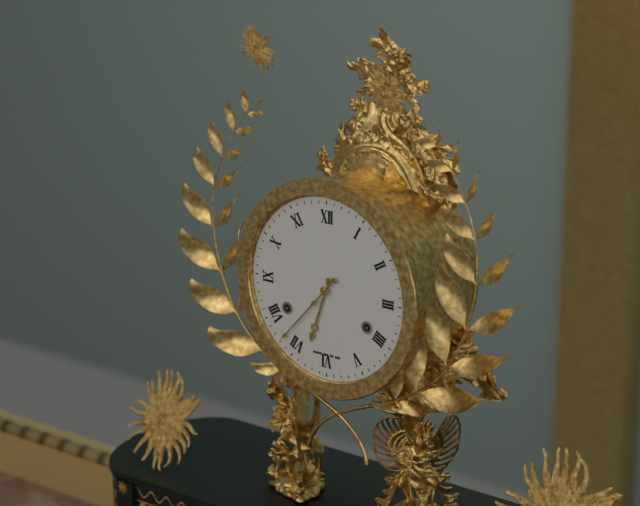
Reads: **6:37**
